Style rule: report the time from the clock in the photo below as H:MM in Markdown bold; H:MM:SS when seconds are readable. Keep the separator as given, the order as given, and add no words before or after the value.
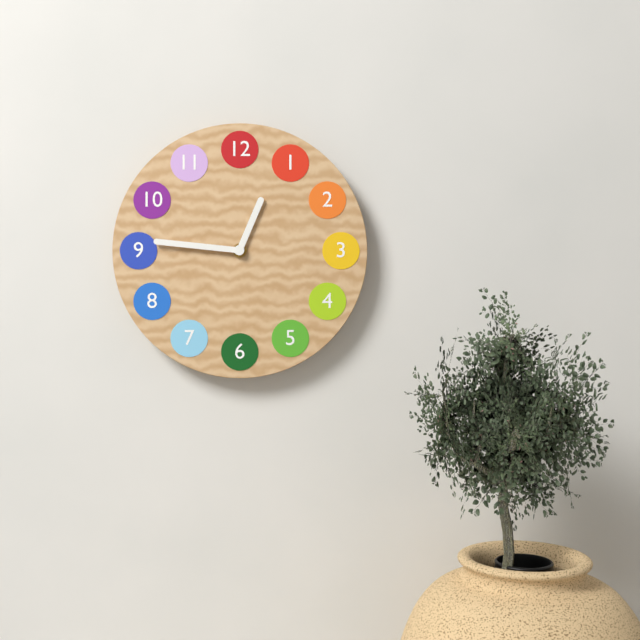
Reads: **12:46**
